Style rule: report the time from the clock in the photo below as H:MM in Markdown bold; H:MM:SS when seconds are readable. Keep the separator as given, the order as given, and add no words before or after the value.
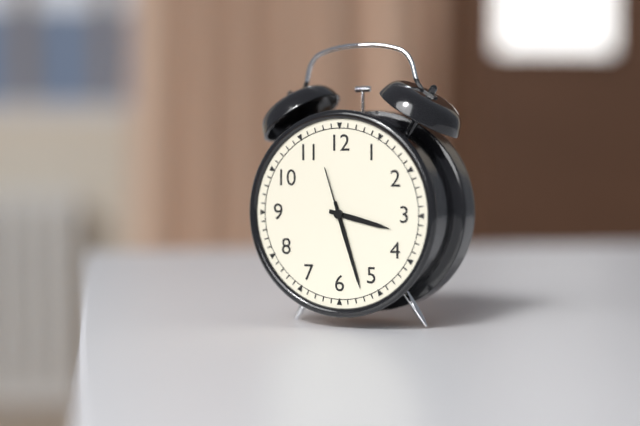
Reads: **3:27:57**
